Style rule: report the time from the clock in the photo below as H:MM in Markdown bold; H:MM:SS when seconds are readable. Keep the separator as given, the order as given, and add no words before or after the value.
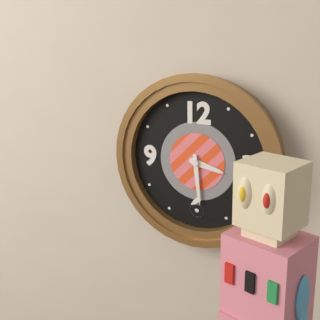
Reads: **3:29**
